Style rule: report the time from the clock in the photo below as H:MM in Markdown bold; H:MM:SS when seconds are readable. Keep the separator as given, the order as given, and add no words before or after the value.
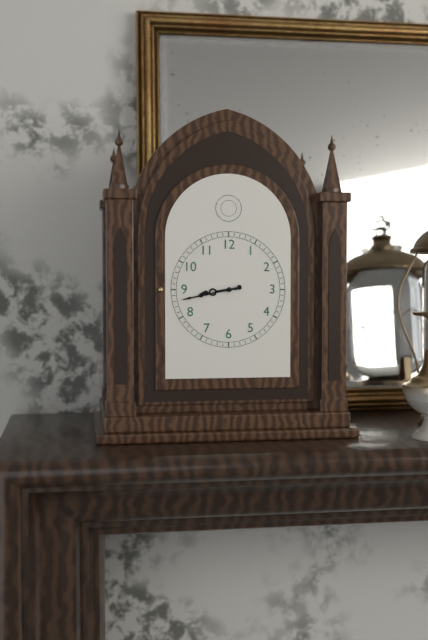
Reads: **8:43**
